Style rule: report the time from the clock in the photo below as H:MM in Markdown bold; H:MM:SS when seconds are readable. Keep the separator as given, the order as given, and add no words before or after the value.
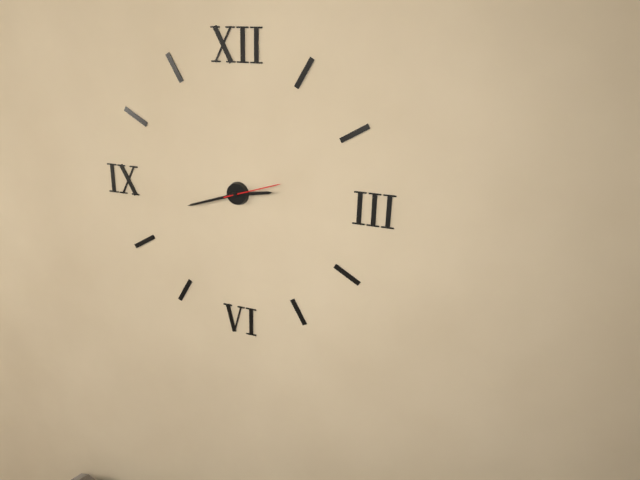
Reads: **2:42:12**
